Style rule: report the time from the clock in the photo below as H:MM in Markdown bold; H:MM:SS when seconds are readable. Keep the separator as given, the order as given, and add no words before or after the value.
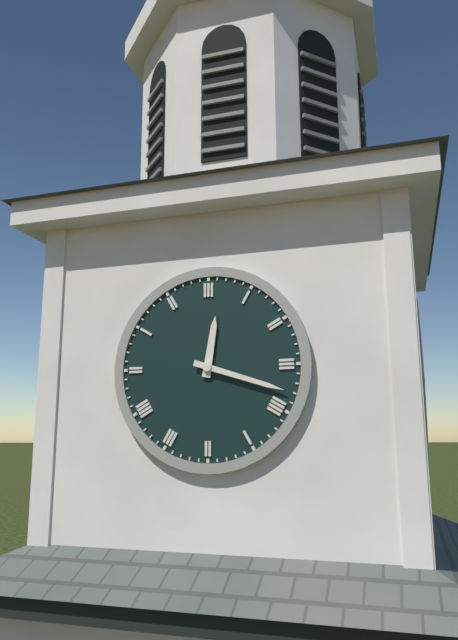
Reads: **12:18**
